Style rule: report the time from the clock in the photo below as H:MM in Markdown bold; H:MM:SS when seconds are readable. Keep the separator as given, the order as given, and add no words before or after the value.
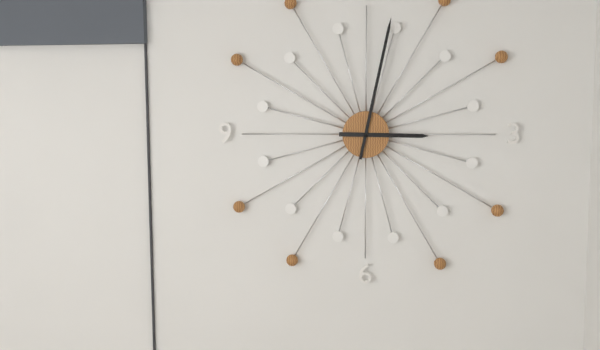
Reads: **3:02**
